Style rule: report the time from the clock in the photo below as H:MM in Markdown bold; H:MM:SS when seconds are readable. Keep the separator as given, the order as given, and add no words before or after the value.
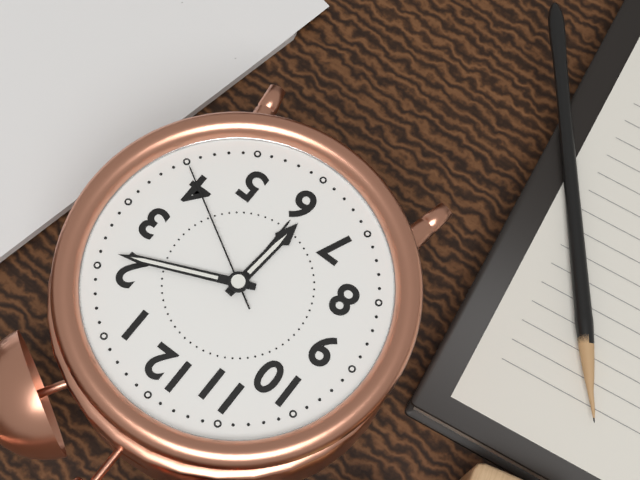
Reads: **6:11:20**
